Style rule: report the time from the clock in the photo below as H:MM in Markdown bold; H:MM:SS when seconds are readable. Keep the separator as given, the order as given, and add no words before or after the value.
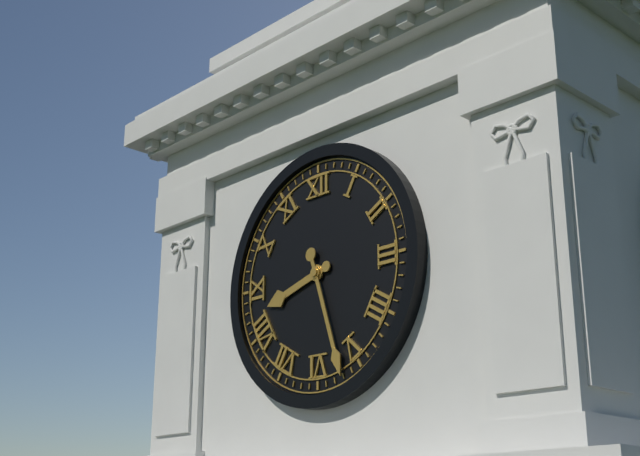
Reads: **8:27**
